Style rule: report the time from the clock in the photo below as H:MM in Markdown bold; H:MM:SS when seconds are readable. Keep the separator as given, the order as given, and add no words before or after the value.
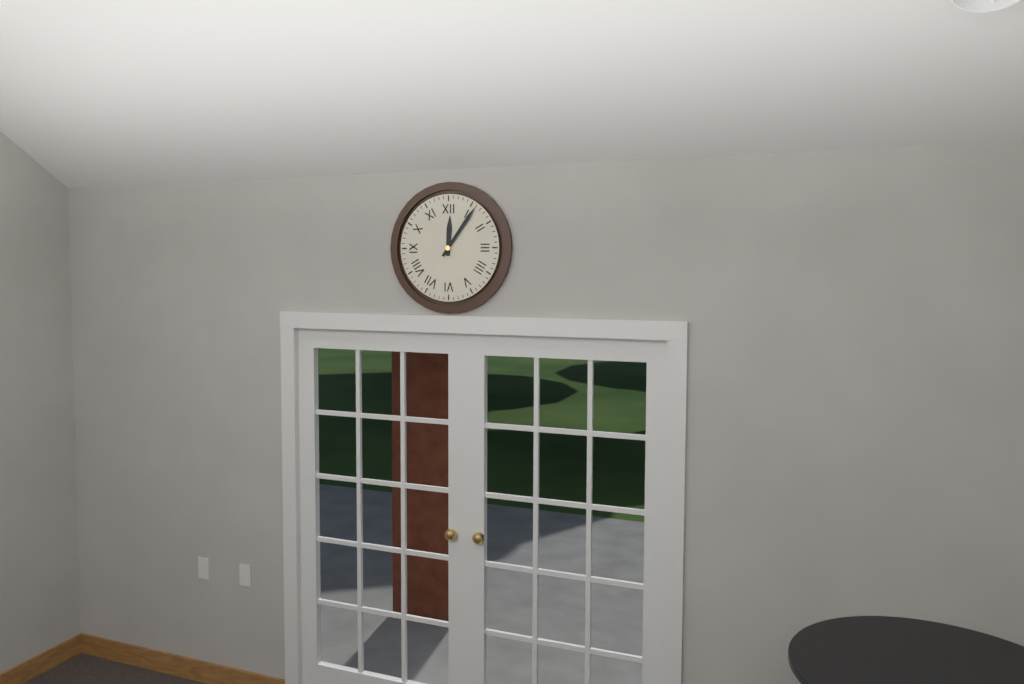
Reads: **12:06**
